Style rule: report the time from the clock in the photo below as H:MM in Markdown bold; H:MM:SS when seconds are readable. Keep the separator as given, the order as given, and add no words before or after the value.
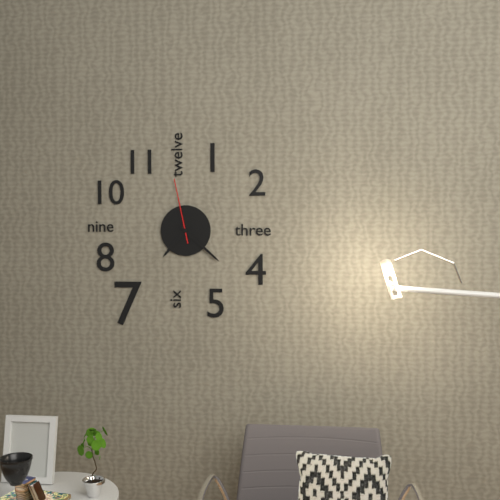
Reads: **7:22:58**
